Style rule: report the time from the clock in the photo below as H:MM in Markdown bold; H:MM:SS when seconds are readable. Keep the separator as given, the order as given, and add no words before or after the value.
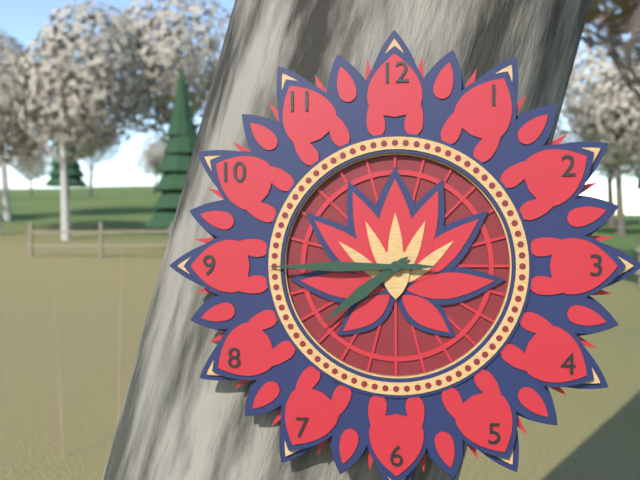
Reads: **7:45**
